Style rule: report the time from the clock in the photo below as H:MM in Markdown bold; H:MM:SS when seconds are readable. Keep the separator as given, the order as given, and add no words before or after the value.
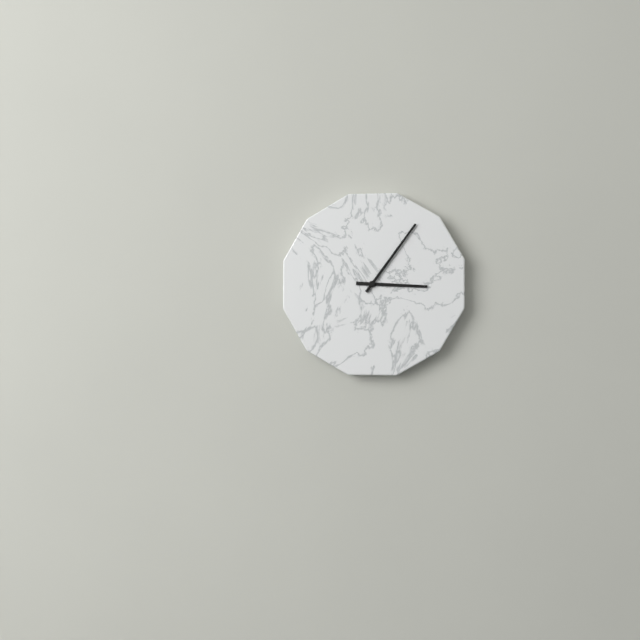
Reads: **3:06**
